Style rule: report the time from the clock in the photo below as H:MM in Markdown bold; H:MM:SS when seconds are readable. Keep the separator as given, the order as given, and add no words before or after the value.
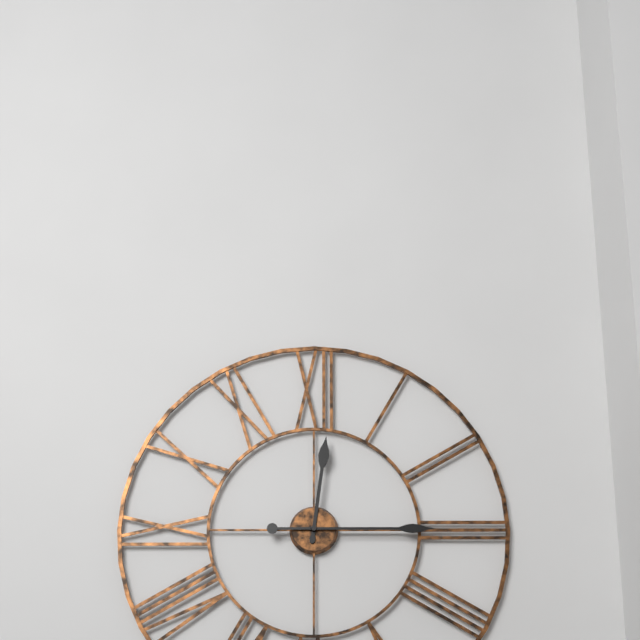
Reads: **12:15**
